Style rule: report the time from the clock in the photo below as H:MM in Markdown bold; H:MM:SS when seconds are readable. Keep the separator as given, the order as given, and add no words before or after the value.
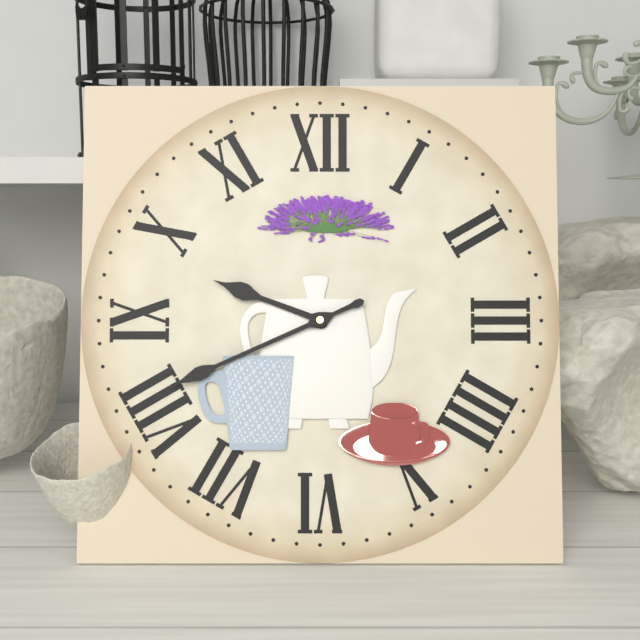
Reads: **9:41**
